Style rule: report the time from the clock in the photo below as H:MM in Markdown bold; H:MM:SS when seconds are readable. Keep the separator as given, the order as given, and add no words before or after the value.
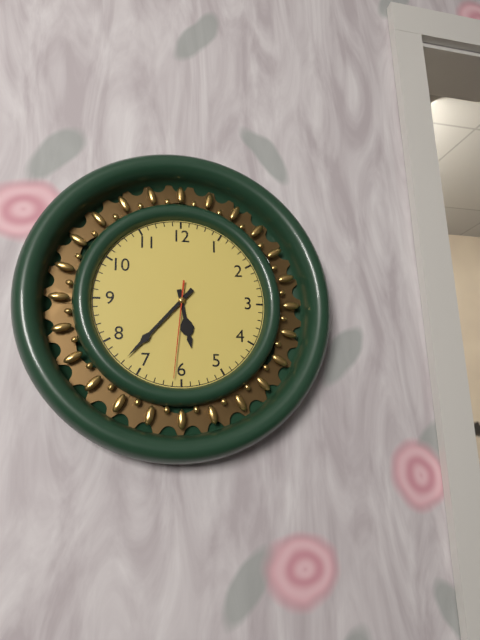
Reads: **5:37:31**
